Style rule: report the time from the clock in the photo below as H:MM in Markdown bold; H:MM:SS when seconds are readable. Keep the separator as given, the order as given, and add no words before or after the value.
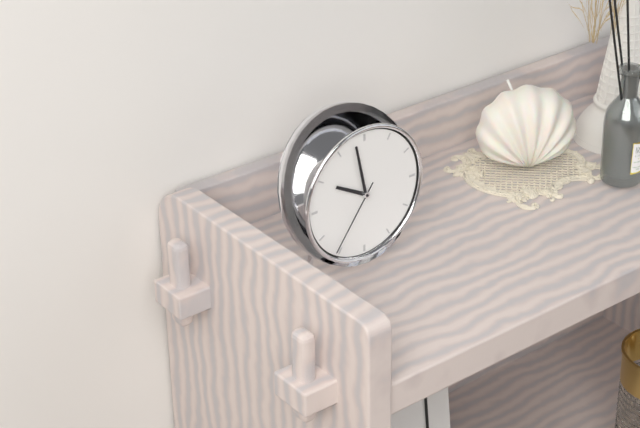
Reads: **9:58:36**
